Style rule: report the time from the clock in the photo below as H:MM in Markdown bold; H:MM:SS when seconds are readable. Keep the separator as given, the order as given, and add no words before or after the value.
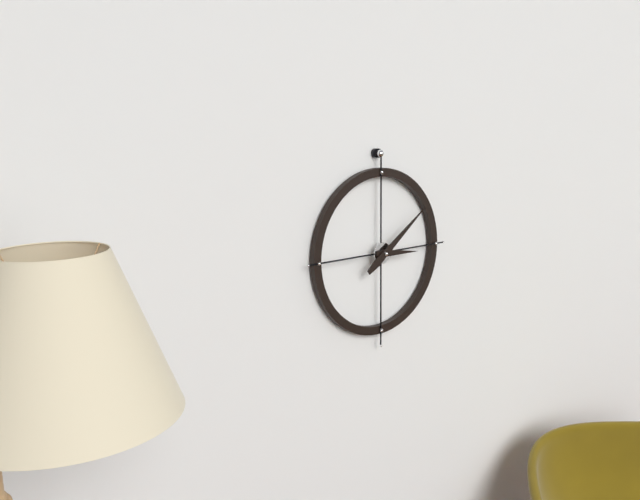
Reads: **3:09**
